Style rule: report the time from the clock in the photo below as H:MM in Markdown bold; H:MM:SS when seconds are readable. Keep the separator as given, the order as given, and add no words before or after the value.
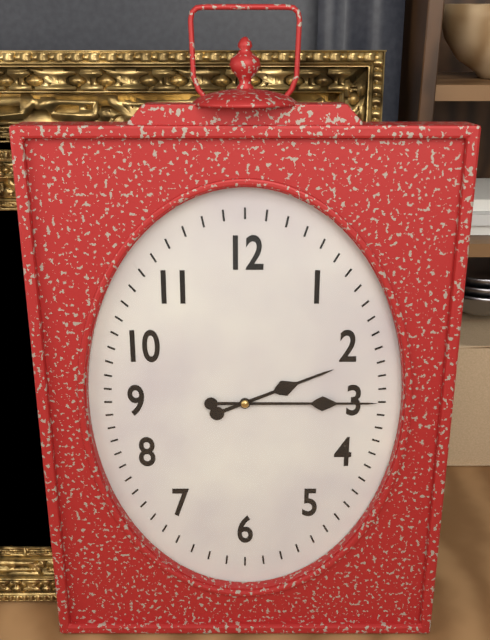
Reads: **2:15**
